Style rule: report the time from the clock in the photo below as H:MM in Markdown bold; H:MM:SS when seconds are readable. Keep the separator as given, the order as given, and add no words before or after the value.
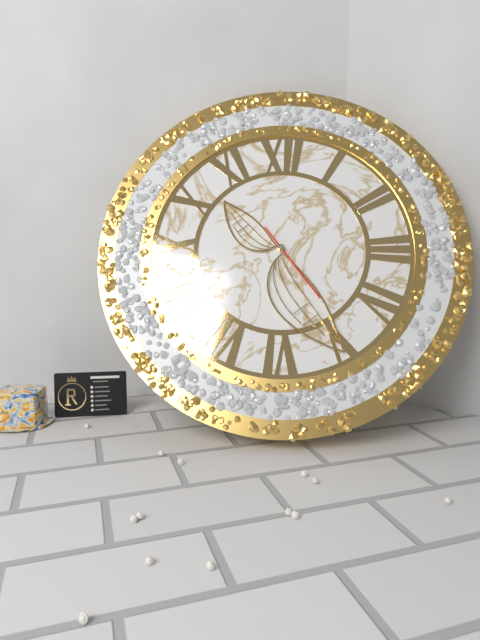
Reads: **10:25:24**
